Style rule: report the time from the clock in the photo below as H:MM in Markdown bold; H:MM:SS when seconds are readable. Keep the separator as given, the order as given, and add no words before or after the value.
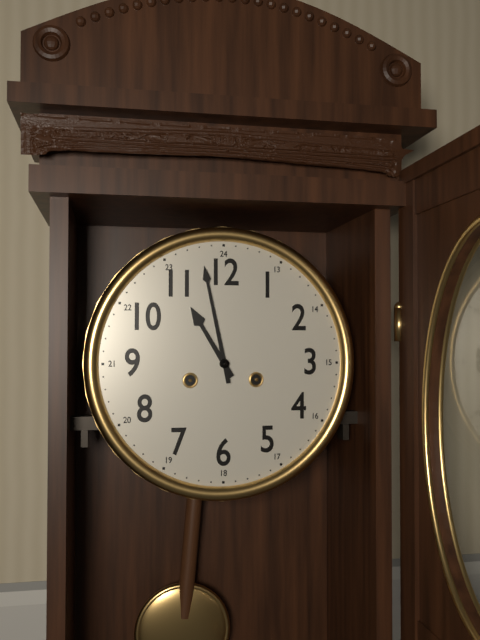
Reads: **10:58**
